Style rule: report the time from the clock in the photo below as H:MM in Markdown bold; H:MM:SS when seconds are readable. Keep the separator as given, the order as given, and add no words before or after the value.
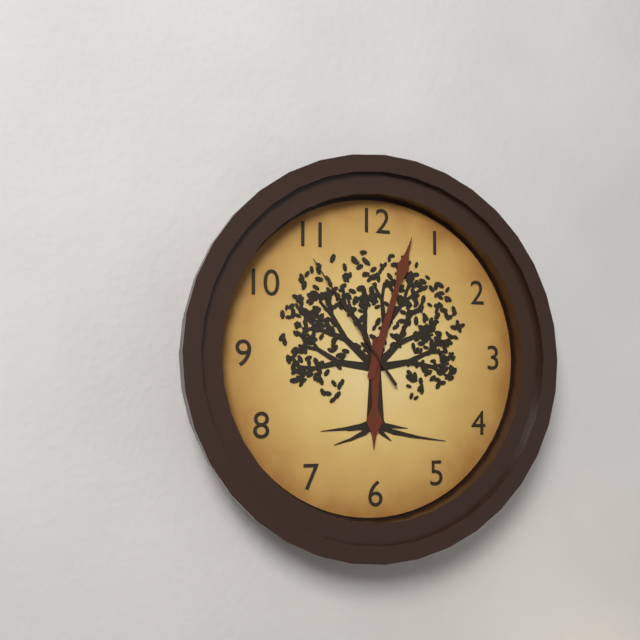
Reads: **6:03:54**
